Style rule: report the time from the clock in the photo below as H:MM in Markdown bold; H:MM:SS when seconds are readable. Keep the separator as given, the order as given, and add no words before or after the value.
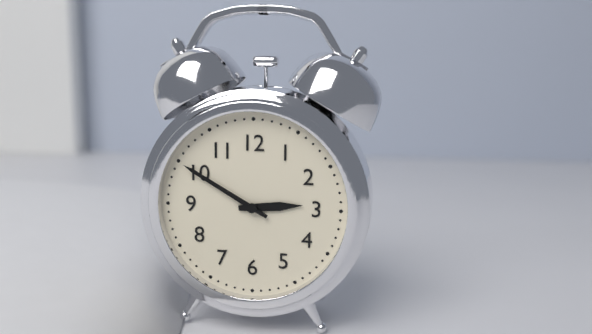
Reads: **2:50**
